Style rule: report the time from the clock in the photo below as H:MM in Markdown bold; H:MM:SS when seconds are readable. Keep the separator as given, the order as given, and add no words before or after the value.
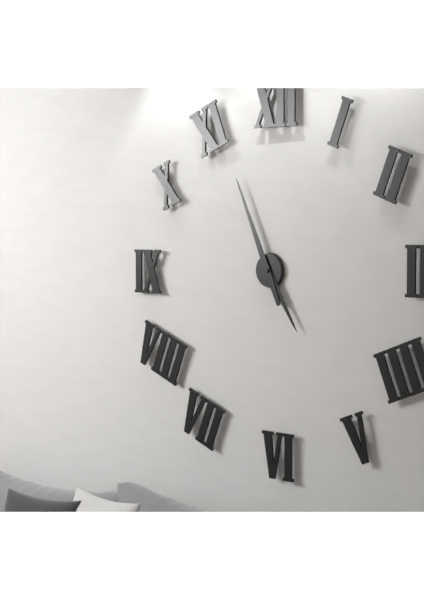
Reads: **4:56**
